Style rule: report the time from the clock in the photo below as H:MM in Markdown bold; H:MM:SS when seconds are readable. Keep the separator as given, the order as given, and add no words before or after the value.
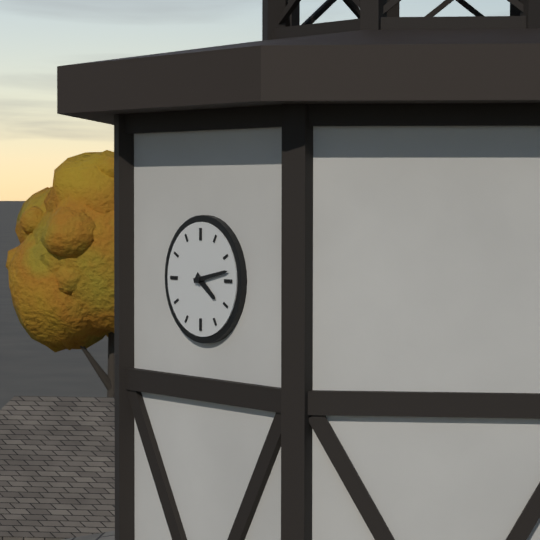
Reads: **4:13**
